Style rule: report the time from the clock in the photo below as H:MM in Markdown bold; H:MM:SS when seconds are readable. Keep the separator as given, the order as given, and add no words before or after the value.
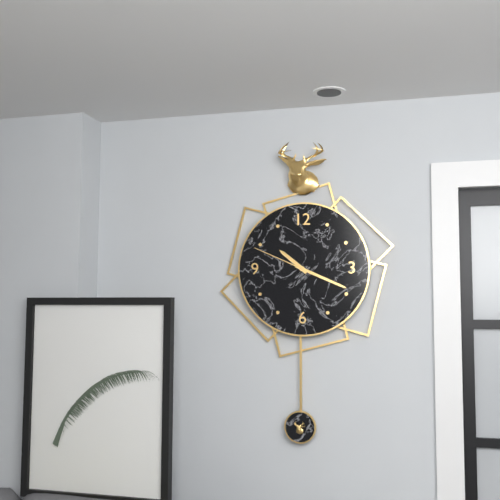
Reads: **10:19:49**
